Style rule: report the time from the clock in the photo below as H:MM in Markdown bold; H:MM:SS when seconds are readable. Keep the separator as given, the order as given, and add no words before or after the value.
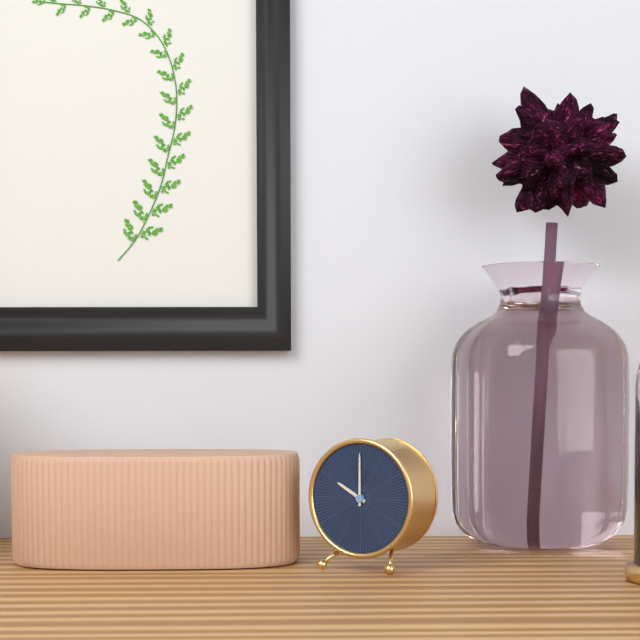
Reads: **10:00**
